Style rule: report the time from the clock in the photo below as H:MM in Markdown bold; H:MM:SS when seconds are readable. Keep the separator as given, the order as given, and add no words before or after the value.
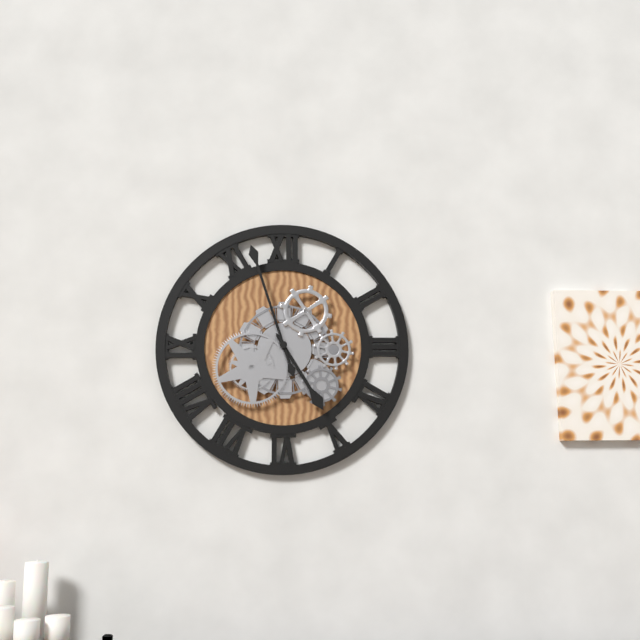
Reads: **4:57**
